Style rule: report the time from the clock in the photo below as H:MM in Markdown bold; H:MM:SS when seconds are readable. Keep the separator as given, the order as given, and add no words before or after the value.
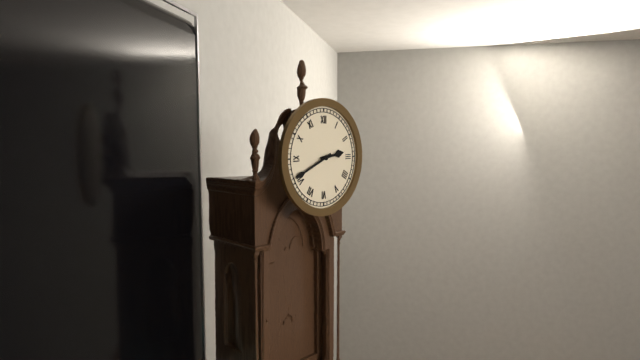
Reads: **2:41**
